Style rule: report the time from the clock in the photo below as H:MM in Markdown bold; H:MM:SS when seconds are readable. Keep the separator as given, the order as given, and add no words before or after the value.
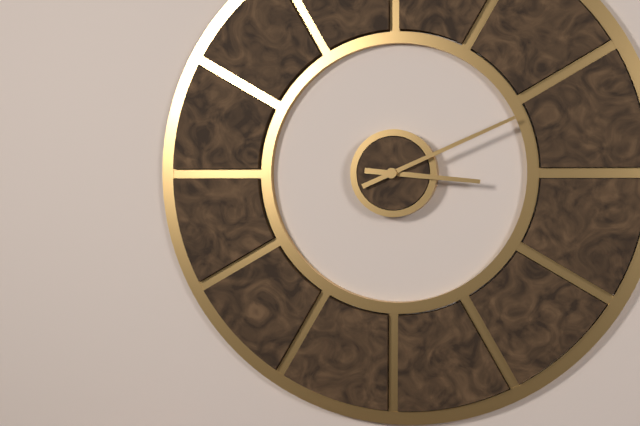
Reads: **3:11**
